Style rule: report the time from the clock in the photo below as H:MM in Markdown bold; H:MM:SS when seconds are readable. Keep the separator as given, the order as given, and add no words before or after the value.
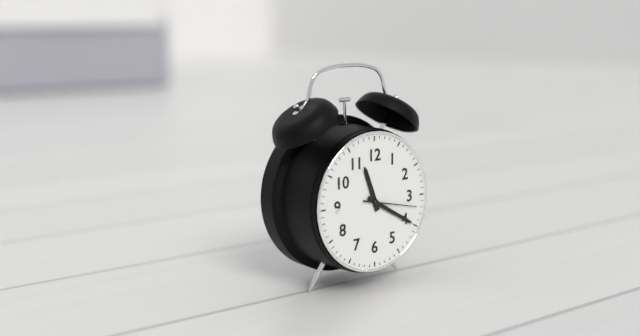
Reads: **11:20:17**
